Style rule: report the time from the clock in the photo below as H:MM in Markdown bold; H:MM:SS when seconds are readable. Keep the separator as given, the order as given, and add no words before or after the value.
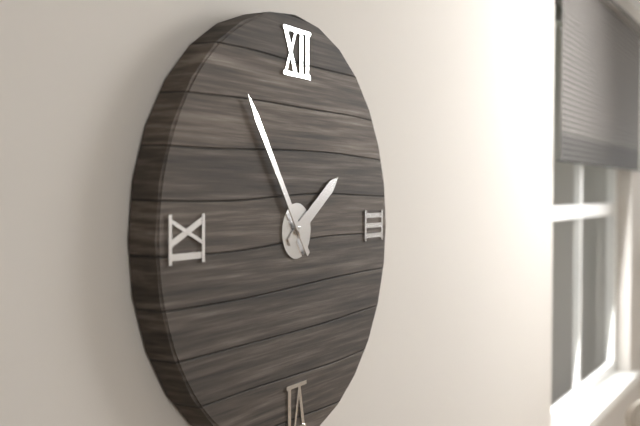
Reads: **1:54**
